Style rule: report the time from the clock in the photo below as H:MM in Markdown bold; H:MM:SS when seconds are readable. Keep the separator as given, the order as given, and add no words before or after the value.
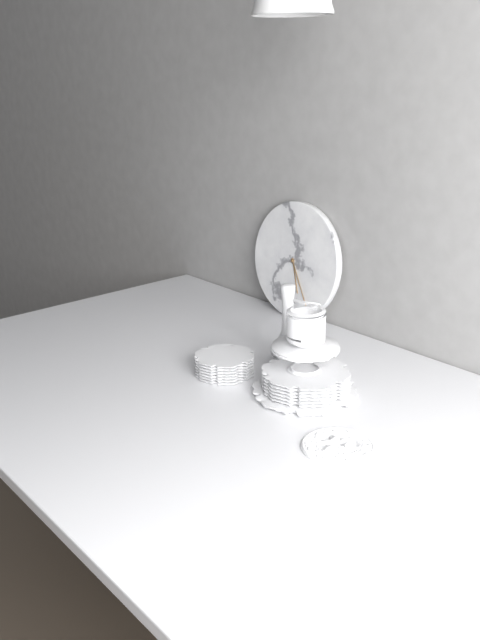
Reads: **5:25**
